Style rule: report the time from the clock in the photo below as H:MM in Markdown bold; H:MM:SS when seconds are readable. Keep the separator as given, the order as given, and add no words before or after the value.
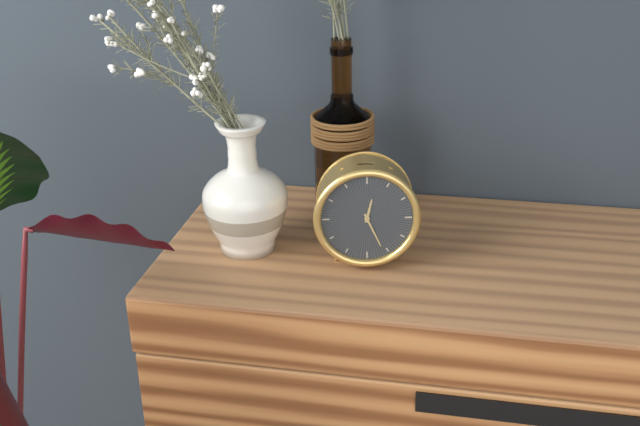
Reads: **12:26**
